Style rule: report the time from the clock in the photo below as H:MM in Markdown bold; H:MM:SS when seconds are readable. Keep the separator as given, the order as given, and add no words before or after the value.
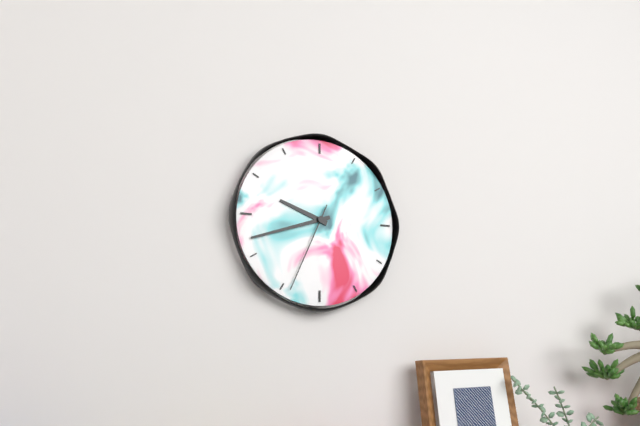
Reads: **9:42:34**
